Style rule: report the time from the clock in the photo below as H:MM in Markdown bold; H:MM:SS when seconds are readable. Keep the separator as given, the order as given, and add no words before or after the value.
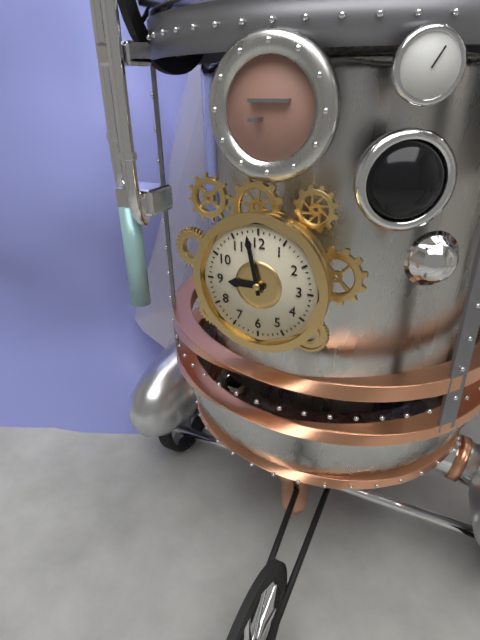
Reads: **8:58**
